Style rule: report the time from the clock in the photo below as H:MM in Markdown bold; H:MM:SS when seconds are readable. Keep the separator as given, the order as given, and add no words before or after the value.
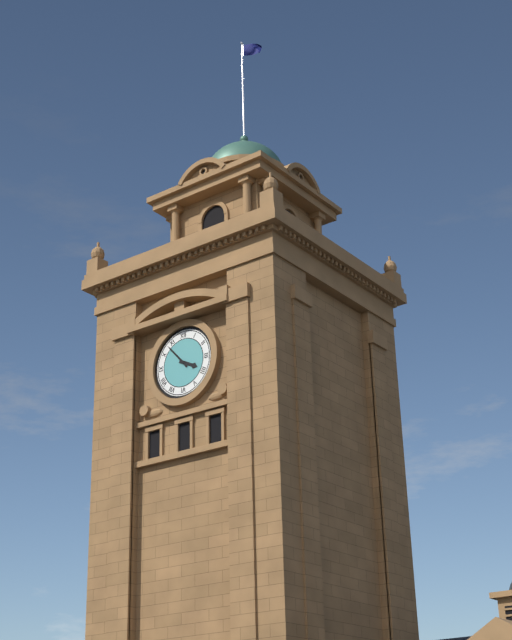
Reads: **3:53**
